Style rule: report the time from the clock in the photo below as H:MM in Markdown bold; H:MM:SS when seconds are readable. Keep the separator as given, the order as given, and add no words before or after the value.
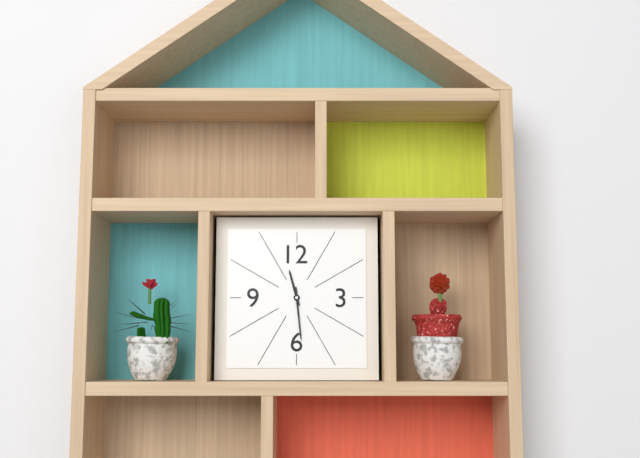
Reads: **11:29**
